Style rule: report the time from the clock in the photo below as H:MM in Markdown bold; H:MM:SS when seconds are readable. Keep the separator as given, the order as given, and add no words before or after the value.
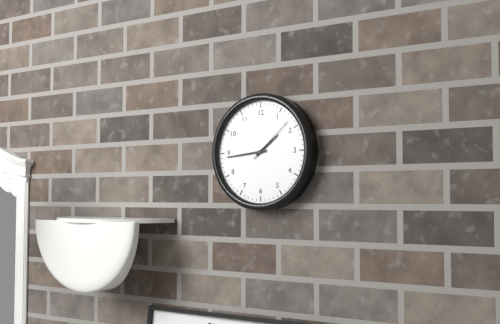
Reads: **1:44**
